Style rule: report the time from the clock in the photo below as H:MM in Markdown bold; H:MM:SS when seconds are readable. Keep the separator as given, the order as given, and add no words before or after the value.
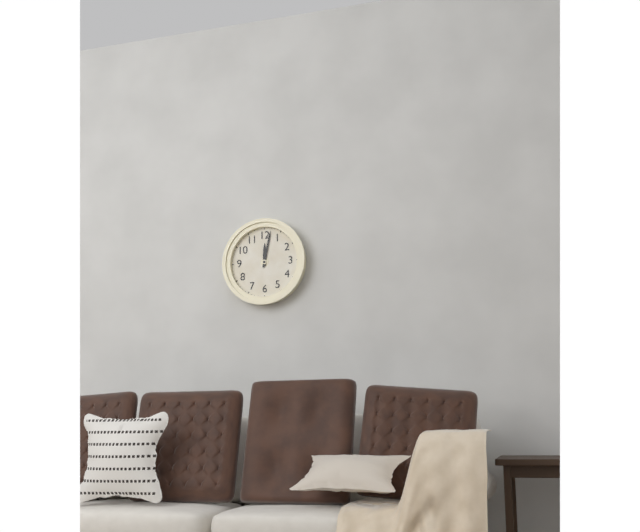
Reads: **12:02**
